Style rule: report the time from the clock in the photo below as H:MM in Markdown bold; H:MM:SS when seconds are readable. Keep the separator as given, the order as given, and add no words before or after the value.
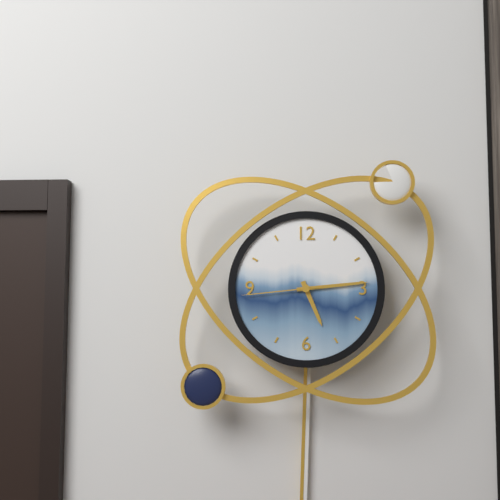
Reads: **5:14:44**
